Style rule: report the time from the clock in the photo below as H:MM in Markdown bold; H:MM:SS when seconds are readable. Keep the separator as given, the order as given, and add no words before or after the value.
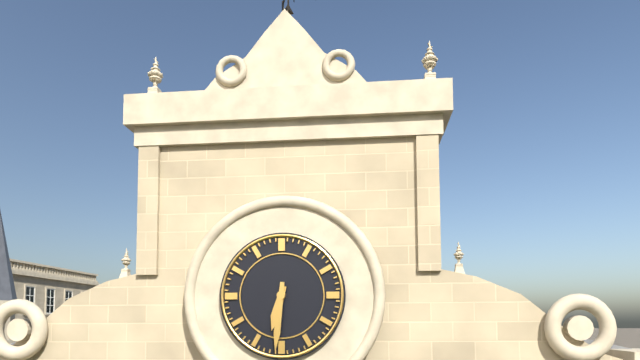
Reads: **6:31**
